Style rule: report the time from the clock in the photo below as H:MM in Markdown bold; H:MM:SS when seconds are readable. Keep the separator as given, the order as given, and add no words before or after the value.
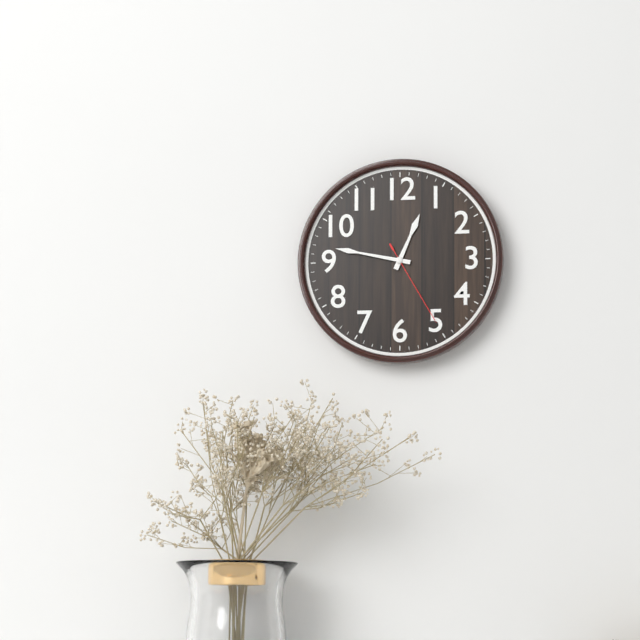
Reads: **12:47:25**
